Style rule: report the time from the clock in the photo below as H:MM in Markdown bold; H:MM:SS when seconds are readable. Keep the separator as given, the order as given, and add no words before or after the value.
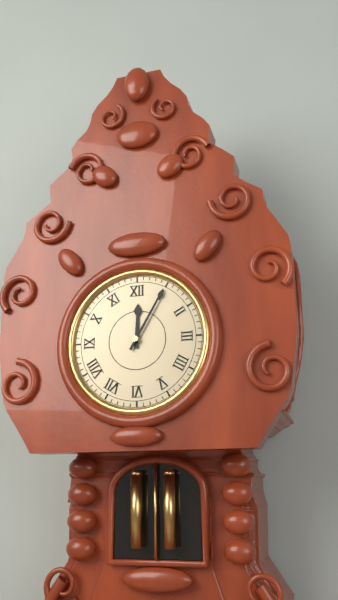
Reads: **12:05**
